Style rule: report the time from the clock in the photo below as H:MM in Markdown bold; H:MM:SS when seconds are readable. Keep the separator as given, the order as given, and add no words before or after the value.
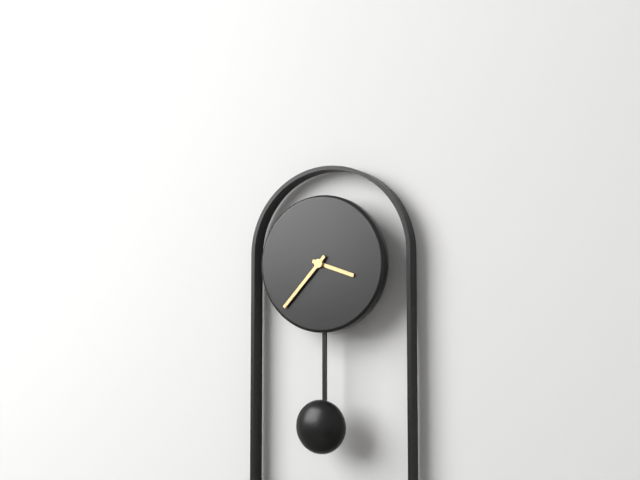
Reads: **3:37**
